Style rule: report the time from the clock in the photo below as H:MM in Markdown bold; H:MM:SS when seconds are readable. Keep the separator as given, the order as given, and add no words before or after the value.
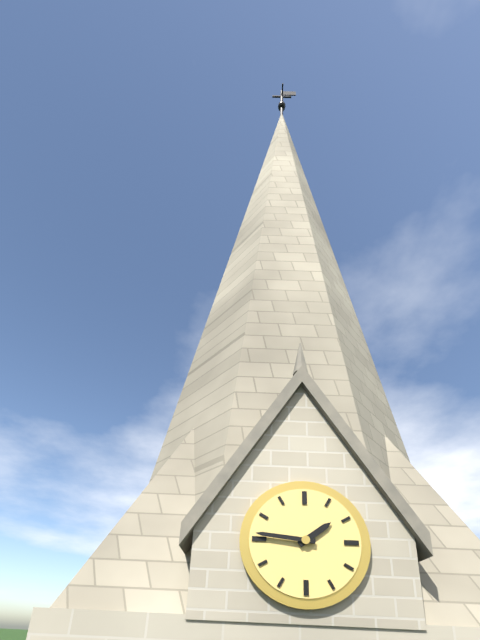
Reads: **1:46**
